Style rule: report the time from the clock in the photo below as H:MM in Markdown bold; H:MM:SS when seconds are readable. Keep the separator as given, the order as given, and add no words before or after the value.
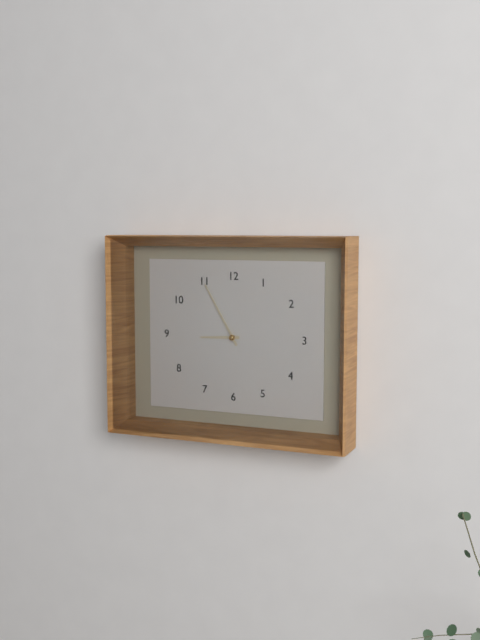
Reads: **8:55**
